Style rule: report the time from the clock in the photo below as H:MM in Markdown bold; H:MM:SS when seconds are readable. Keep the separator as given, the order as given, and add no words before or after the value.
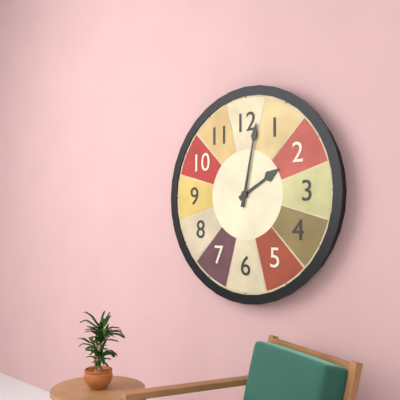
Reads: **2:02**
